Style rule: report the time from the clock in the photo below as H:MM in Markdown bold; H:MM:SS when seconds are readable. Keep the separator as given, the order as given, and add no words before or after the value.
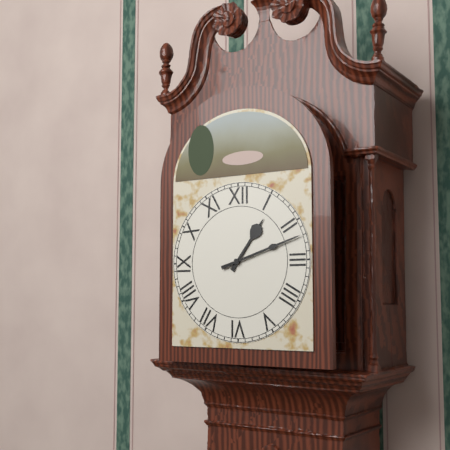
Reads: **1:12**
